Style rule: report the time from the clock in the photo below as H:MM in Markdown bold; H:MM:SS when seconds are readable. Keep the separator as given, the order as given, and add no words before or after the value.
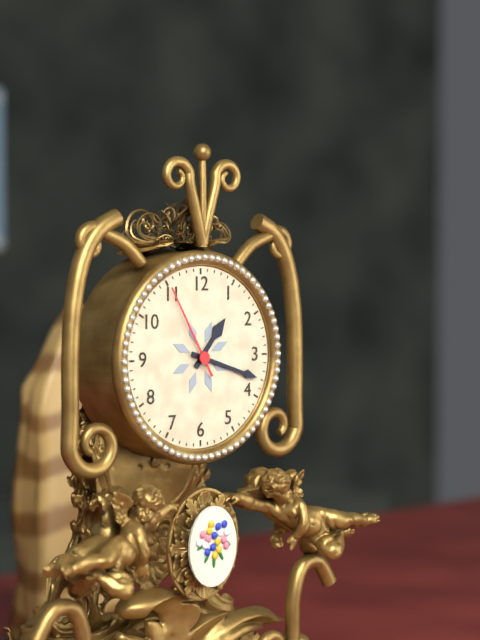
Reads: **1:18:55**
